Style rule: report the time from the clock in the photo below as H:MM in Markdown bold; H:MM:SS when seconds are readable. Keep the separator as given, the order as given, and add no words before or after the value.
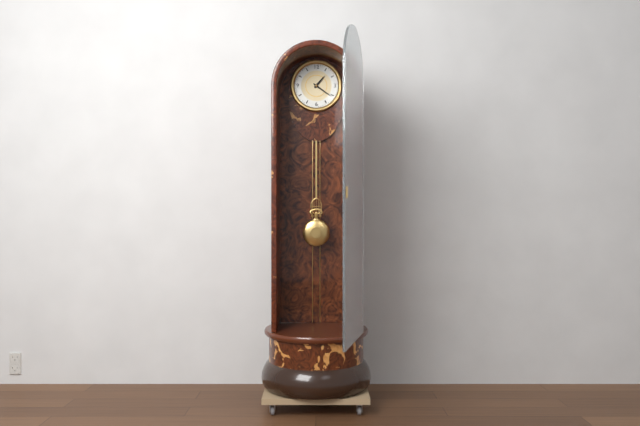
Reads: **1:21**
